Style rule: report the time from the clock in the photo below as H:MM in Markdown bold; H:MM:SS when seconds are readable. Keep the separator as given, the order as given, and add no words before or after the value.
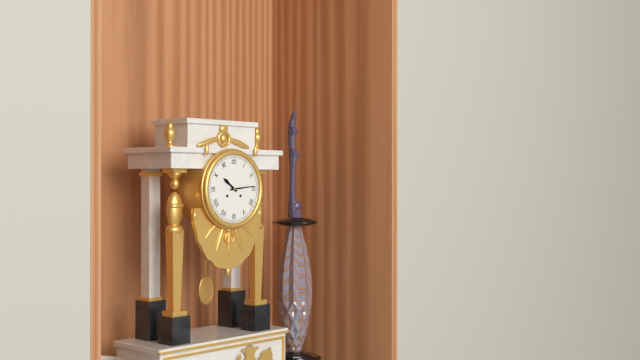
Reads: **10:14**
